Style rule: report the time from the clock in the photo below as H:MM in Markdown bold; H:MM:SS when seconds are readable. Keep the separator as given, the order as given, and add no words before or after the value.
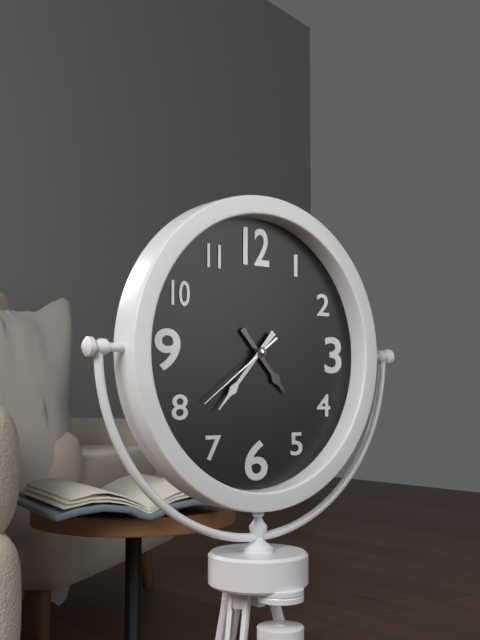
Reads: **4:37:39**
